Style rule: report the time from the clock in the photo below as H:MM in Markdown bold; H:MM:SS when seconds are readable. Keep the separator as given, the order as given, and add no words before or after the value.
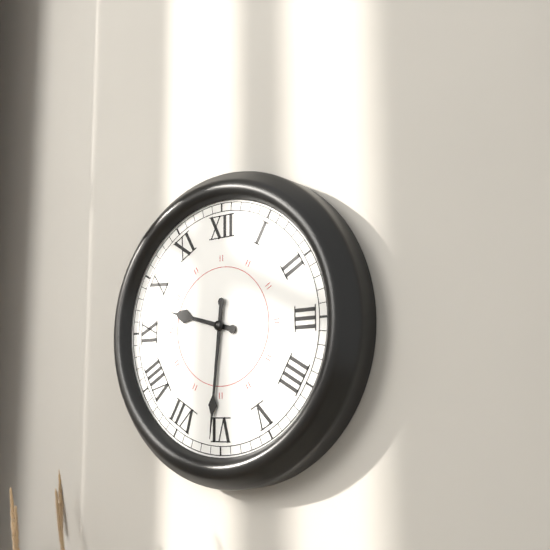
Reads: **9:31**
